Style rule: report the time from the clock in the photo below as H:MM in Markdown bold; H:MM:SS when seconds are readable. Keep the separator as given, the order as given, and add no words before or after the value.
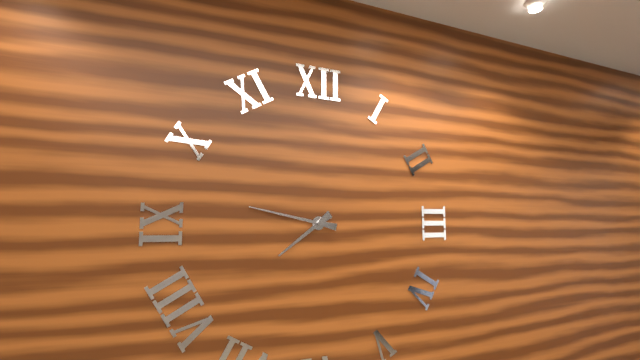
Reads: **7:47**
